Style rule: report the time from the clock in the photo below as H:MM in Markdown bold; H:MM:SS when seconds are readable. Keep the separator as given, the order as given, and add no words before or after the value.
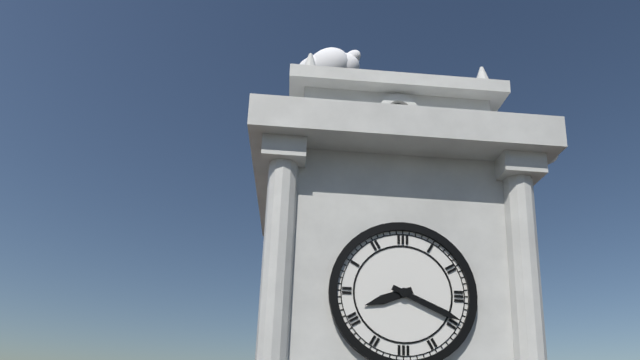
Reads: **8:19**
